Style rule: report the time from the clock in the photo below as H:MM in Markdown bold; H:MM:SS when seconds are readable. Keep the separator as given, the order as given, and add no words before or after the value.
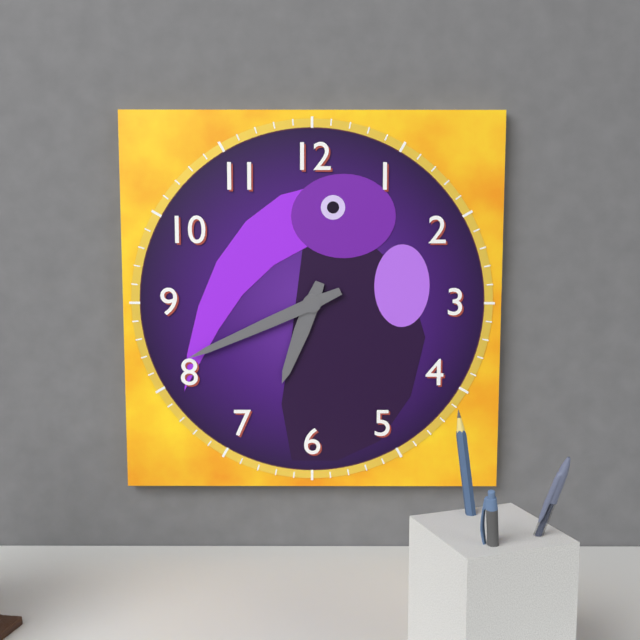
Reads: **6:41**
